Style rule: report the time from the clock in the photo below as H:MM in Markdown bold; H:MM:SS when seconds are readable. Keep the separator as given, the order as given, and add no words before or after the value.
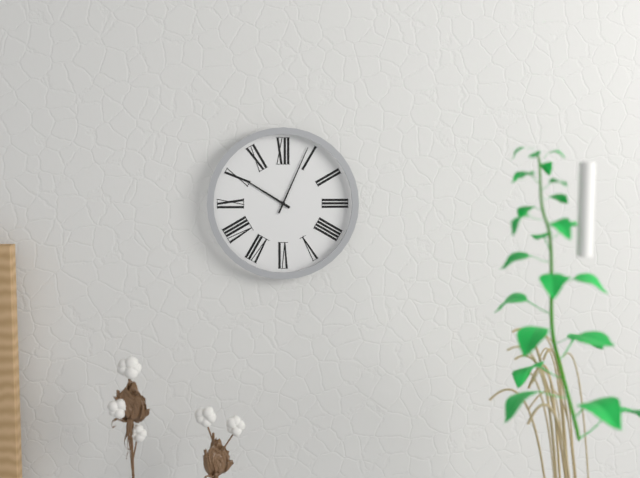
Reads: **10:04**
